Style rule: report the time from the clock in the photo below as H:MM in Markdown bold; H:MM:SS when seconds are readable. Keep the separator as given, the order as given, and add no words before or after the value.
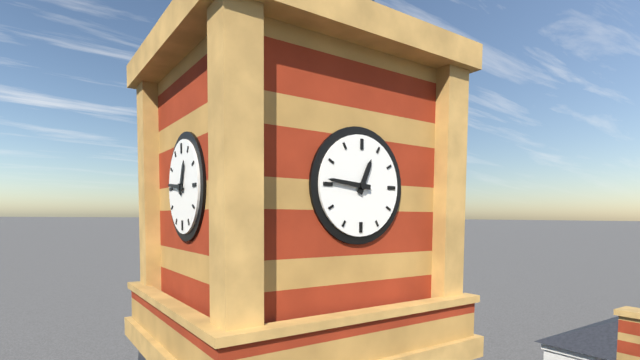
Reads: **12:46**
